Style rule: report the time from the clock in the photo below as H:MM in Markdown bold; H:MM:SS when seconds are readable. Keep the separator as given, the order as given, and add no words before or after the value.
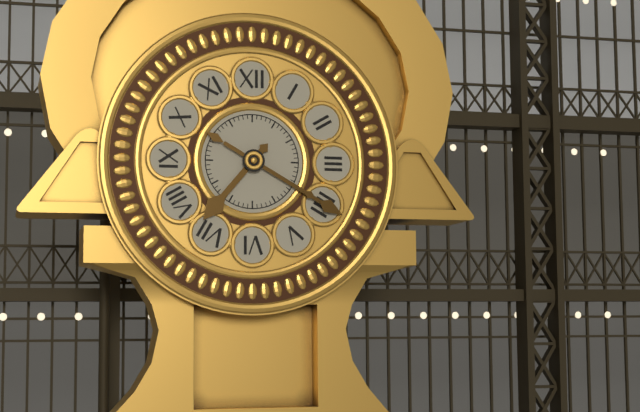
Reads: **7:20**
